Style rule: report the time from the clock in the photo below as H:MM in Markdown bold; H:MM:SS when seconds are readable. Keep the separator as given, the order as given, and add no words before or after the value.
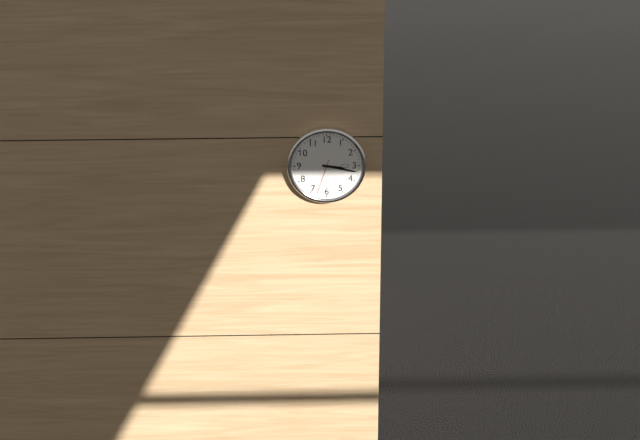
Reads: **3:17**
